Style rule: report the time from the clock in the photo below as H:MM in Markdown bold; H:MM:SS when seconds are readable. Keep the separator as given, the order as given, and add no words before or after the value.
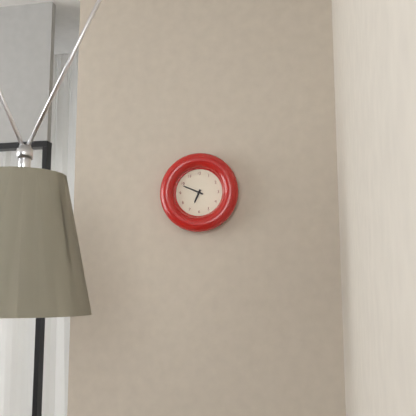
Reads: **6:49**
